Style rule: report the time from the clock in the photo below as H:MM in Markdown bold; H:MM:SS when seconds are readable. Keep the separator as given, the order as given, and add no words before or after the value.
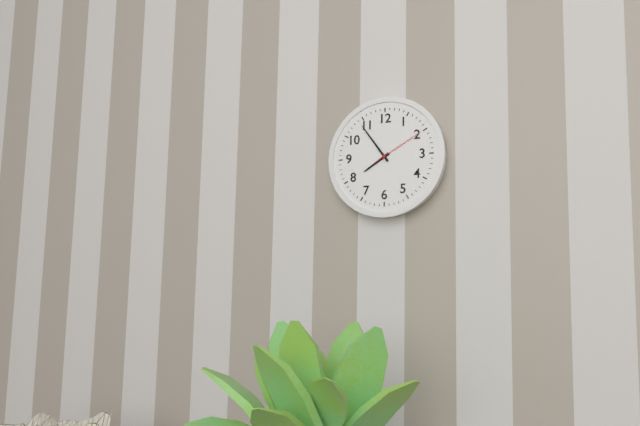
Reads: **7:54:10**
